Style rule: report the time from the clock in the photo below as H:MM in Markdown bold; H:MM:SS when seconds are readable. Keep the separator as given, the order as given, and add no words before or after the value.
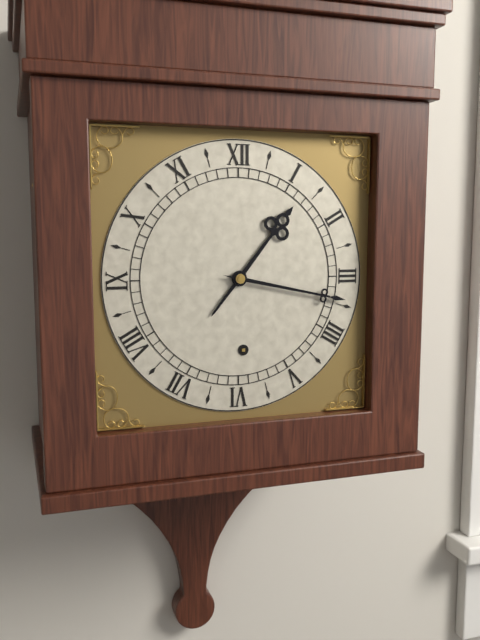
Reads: **1:17**
